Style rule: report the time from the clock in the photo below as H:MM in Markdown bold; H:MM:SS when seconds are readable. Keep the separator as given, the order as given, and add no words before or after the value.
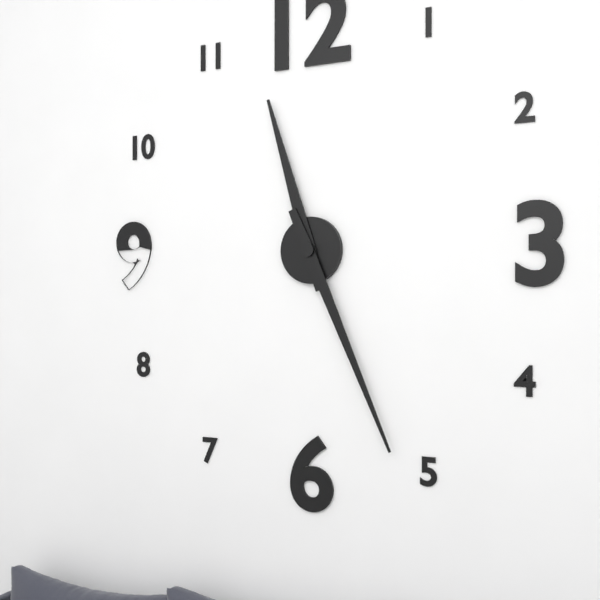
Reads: **11:26**
